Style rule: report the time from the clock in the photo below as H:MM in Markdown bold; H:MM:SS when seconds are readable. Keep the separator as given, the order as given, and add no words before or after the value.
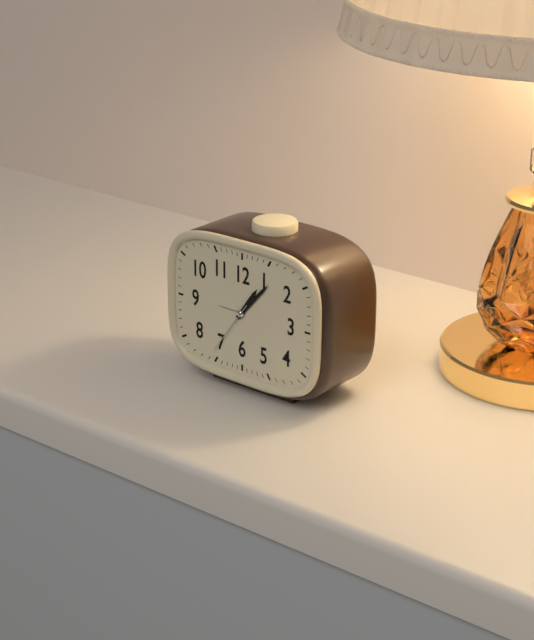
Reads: **1:07:36**
